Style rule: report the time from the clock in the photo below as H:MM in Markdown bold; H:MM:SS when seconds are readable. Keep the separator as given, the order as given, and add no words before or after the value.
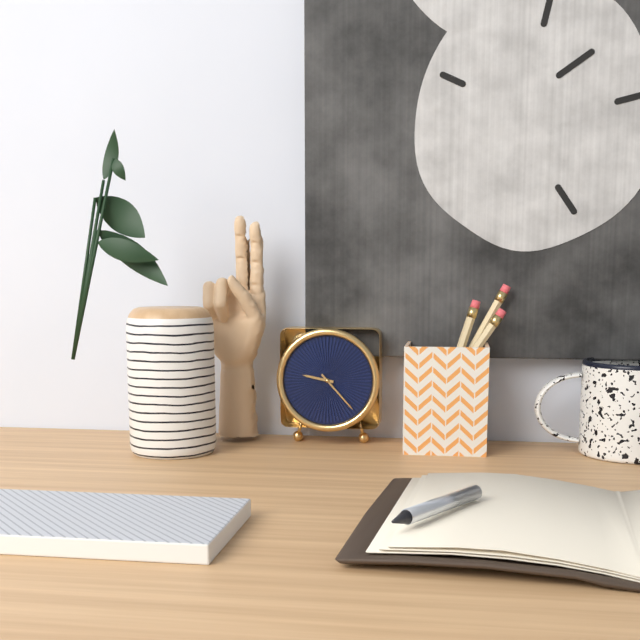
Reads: **9:23**
